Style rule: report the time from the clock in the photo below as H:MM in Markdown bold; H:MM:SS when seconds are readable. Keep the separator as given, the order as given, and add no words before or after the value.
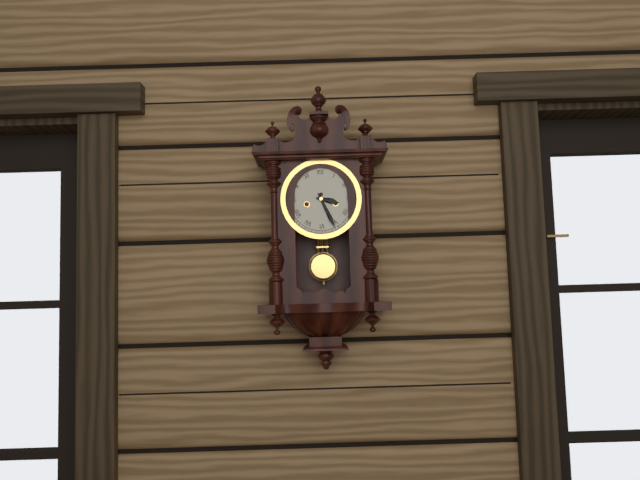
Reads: **3:26**
